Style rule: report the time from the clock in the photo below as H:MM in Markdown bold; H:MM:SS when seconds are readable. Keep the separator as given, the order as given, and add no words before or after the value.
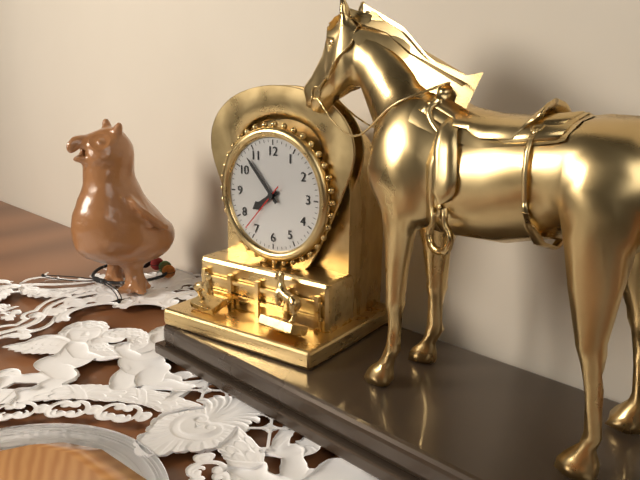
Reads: **7:53:37**
